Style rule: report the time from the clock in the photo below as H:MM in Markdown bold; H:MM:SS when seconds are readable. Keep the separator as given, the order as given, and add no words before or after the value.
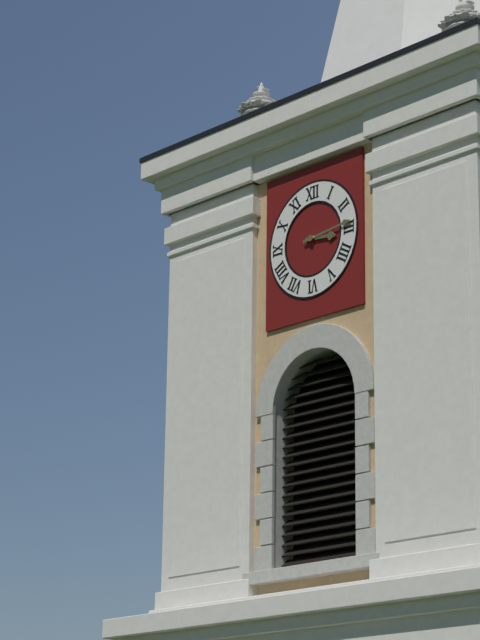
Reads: **3:14**
